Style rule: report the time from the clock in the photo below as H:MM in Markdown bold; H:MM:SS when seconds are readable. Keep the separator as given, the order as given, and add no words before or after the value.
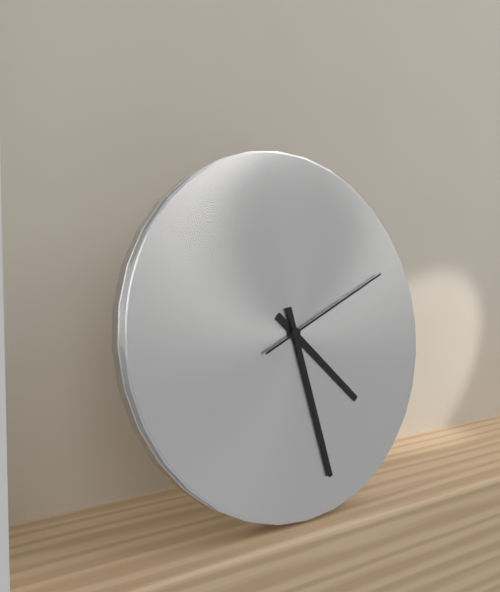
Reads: **4:28:11**
